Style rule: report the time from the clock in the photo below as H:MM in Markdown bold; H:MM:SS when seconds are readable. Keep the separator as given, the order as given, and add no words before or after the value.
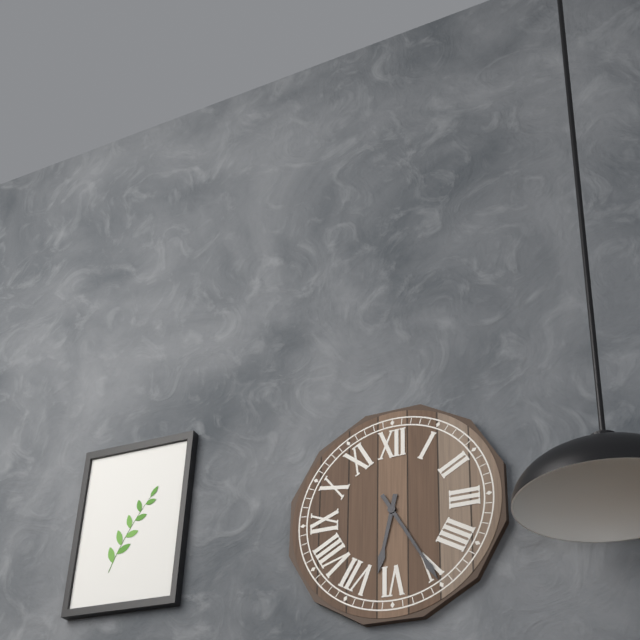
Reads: **6:25**
